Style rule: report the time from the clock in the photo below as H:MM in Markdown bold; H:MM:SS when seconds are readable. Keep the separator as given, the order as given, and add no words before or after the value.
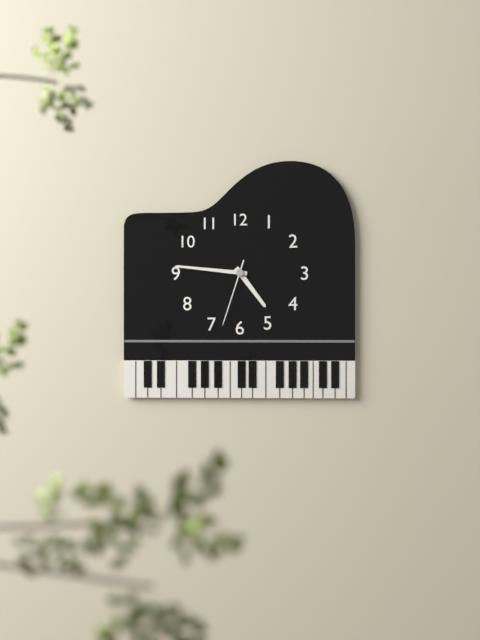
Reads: **4:46:33**
